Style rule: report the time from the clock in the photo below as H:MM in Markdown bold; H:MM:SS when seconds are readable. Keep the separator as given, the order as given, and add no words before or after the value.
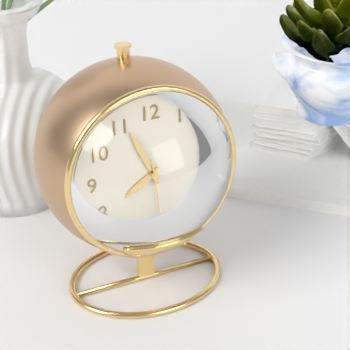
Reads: **7:56:29**
